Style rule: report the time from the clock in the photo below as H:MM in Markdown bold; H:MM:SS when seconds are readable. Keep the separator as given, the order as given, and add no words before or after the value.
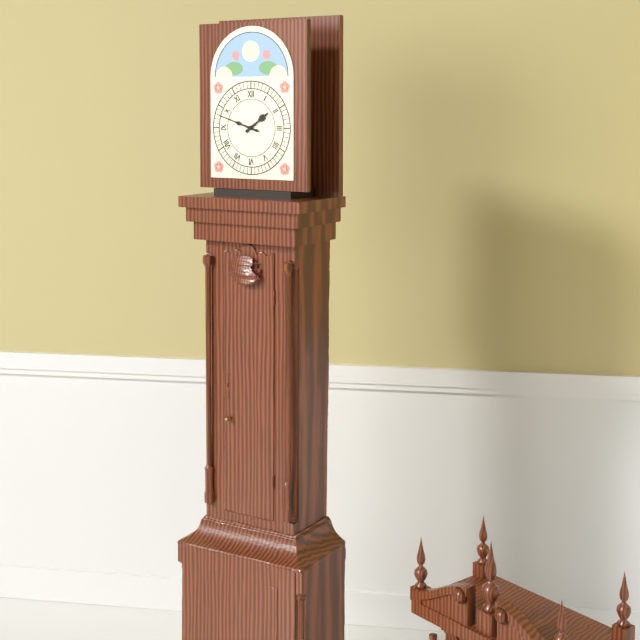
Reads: **1:48**
